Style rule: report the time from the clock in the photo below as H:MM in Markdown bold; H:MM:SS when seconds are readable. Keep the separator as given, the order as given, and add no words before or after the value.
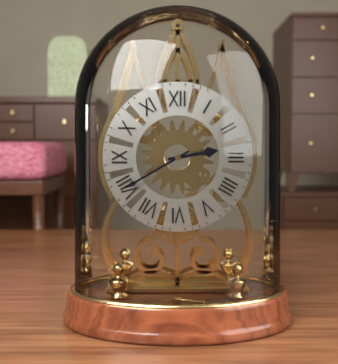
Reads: **2:40**
